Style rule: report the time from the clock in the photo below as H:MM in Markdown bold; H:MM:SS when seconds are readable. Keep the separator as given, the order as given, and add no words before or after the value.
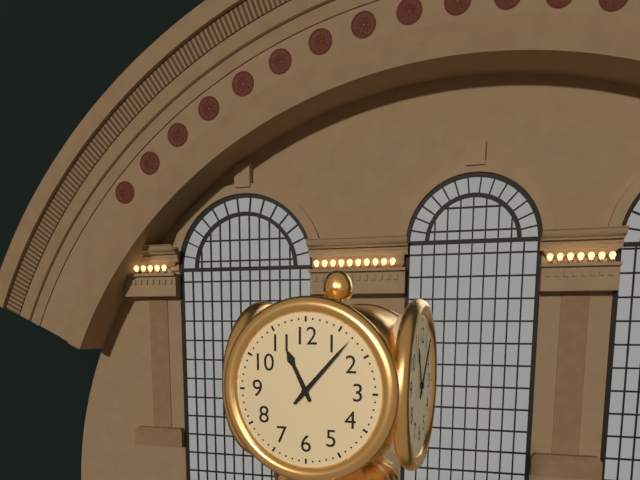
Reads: **11:07**
